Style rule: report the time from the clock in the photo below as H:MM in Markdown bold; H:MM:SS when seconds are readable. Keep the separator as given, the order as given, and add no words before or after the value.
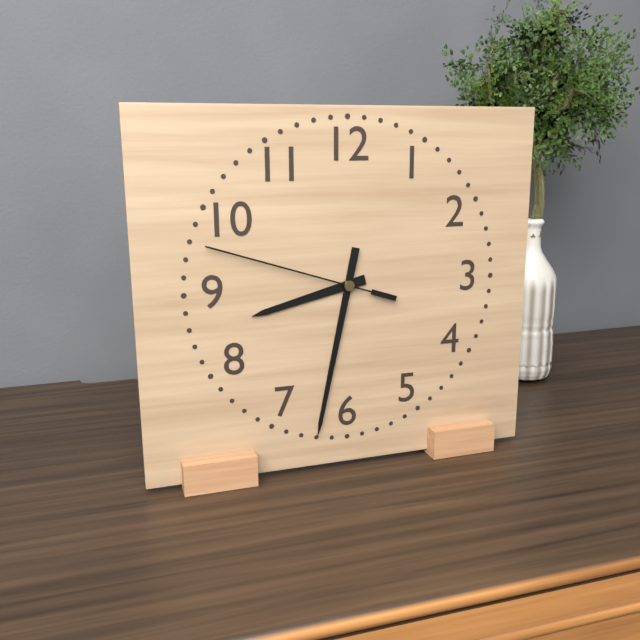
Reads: **8:32:48**
